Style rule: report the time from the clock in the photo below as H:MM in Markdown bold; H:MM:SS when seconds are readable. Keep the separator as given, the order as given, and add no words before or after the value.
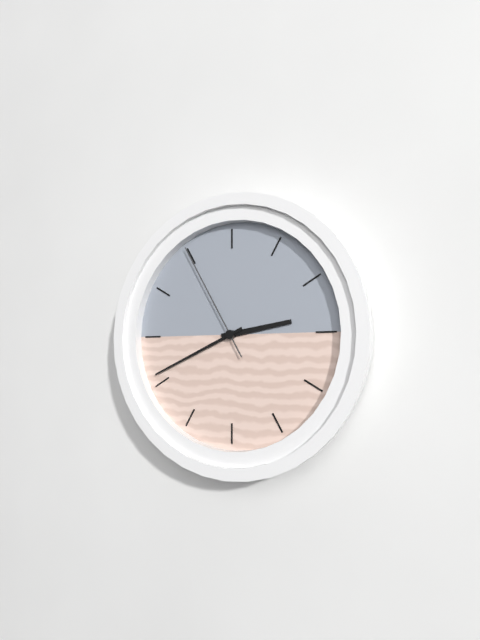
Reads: **2:41:55**
